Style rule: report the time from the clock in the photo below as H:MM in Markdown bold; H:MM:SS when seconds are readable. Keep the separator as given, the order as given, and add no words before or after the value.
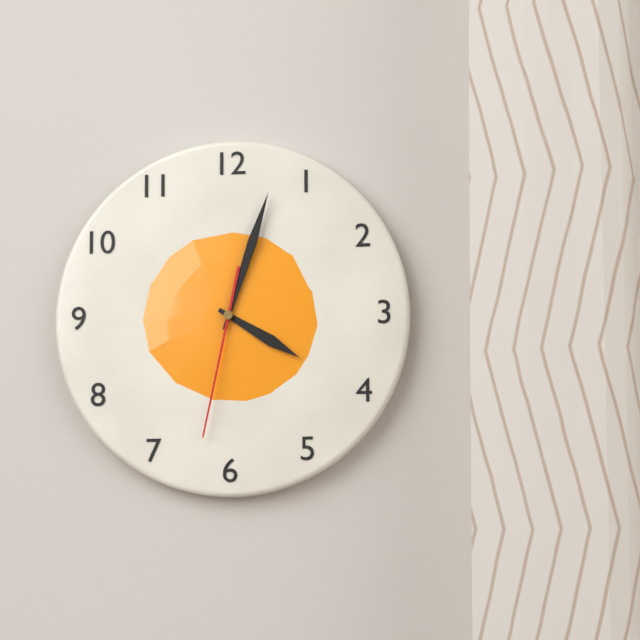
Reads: **4:03:32**
